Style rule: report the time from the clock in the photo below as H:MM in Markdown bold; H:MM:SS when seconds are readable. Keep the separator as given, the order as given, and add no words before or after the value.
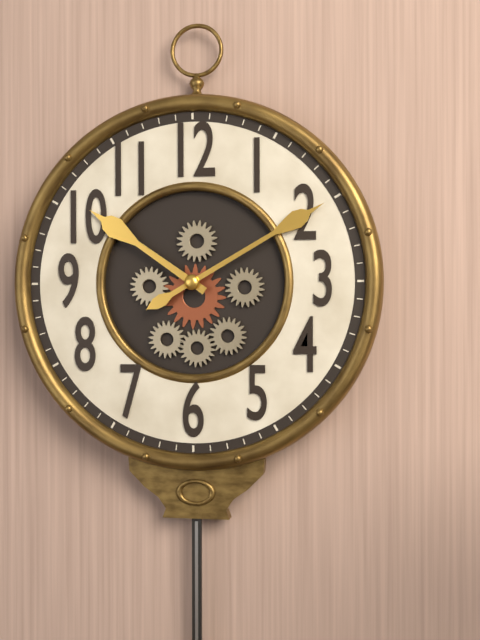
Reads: **10:10**
